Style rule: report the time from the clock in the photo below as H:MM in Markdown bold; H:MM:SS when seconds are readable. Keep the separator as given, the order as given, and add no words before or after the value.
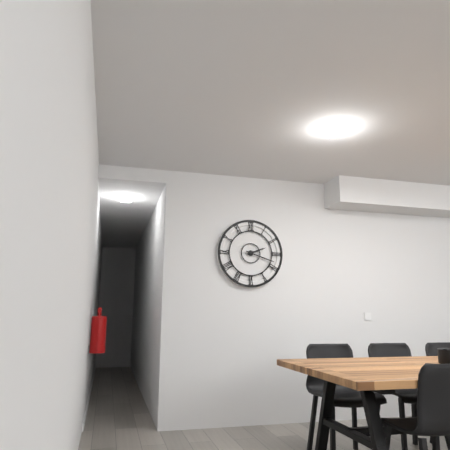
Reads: **2:18**
